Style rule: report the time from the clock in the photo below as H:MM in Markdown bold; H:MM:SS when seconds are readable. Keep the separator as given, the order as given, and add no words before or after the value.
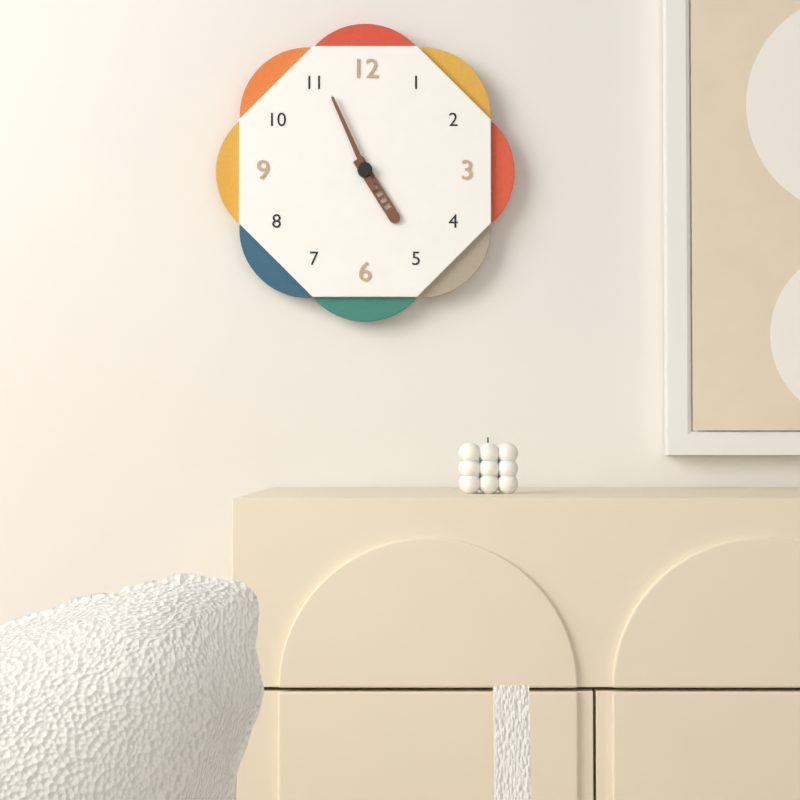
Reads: **4:56**
